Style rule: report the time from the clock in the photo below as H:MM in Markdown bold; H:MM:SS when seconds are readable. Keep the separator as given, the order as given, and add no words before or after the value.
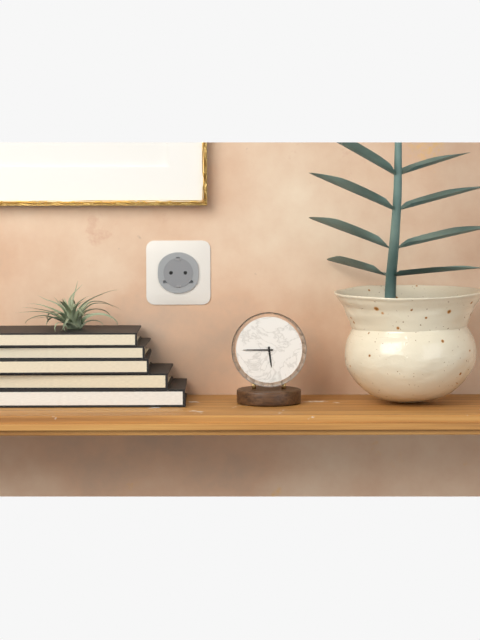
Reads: **5:45**
